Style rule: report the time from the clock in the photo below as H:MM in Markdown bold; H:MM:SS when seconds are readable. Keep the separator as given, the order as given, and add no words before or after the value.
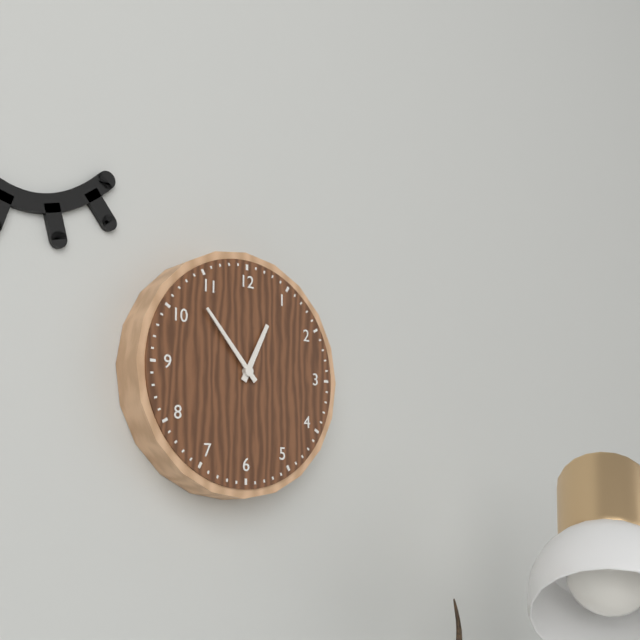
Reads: **12:53**
